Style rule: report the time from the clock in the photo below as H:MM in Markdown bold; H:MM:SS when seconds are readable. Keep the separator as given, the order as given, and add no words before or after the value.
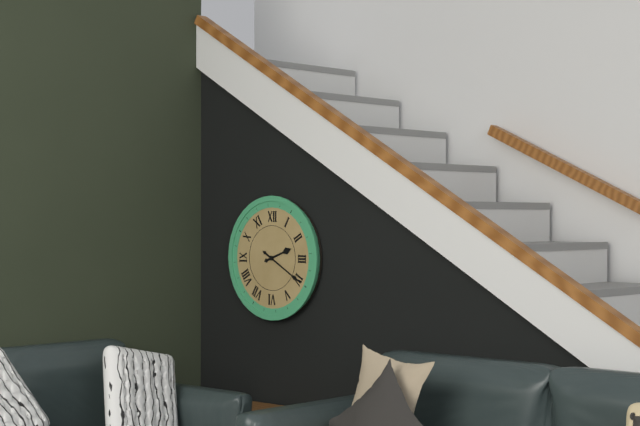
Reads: **2:20**
